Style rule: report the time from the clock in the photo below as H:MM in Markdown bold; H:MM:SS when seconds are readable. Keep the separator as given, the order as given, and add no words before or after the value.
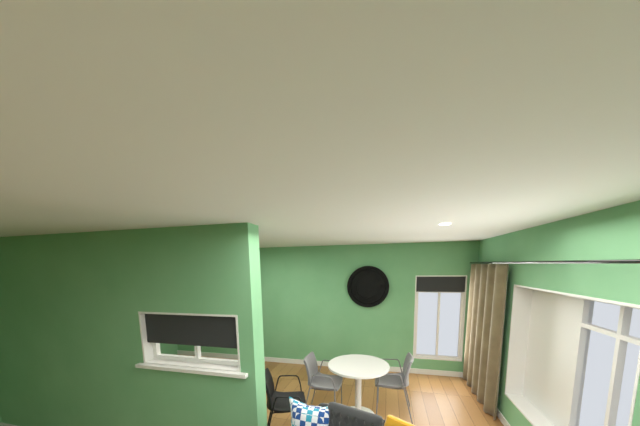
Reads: **3:33**
